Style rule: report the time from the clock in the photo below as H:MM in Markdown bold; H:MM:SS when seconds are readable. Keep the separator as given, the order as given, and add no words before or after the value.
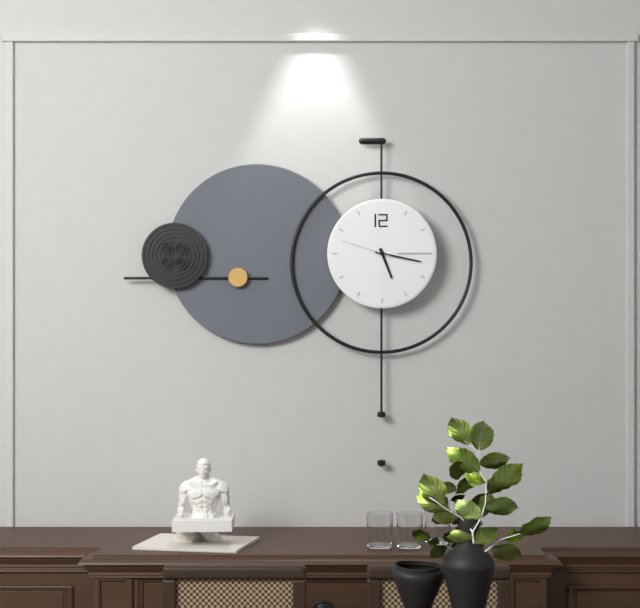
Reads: **5:17:48**
